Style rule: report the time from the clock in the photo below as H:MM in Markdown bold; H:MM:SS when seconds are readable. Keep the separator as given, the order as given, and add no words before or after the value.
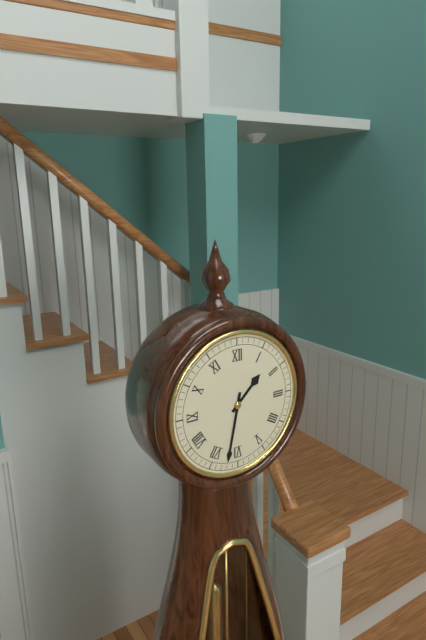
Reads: **1:32**
